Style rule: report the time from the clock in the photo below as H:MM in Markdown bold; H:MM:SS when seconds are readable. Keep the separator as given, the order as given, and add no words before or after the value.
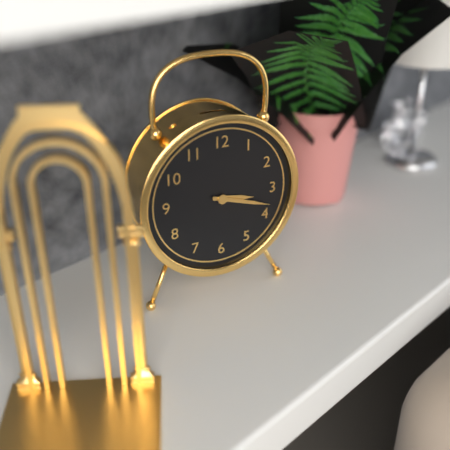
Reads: **3:18**
